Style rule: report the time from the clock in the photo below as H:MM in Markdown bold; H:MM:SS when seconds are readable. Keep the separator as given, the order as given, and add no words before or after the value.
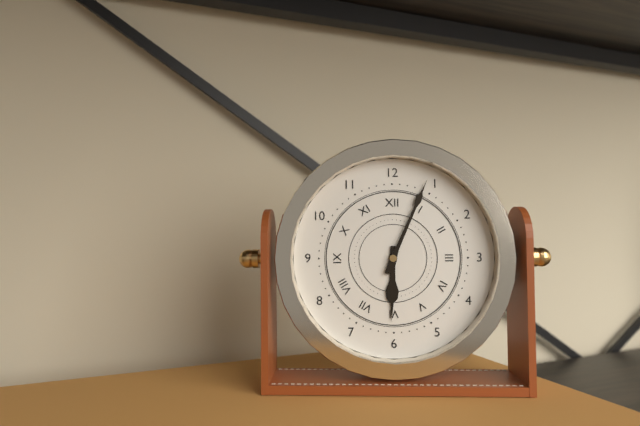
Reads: **6:04**
